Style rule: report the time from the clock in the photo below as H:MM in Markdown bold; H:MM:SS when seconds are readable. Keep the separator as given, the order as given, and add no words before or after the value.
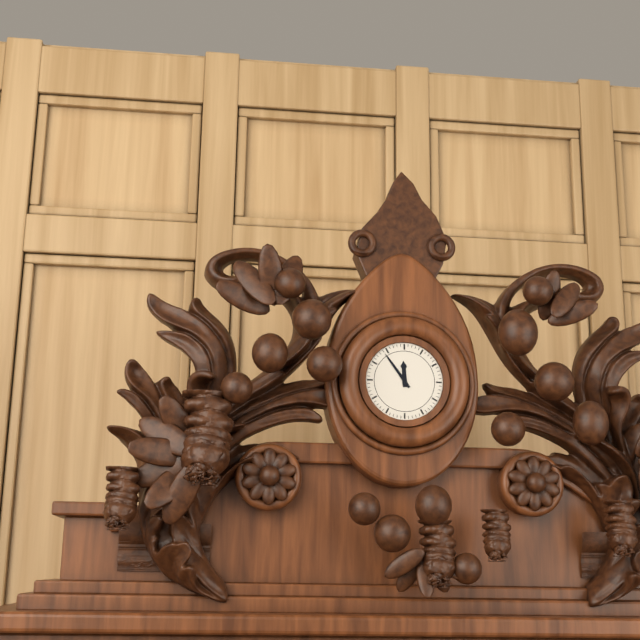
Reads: **11:54**
